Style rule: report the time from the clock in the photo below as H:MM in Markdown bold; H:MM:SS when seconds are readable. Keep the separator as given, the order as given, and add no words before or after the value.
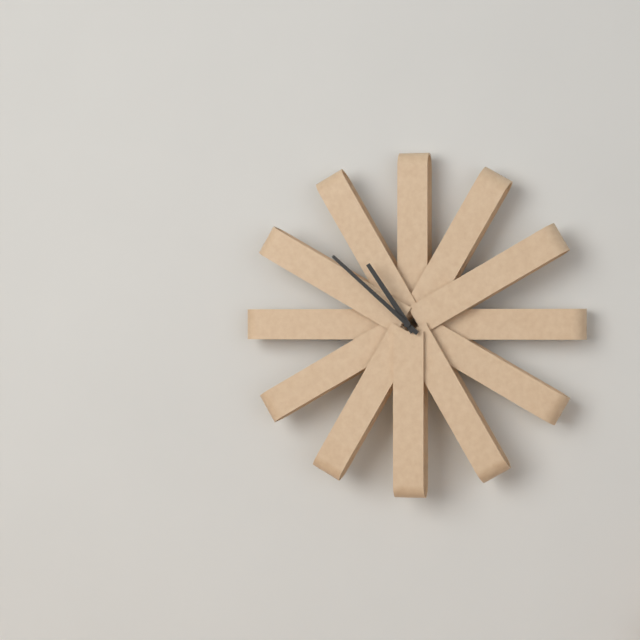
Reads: **10:52**
